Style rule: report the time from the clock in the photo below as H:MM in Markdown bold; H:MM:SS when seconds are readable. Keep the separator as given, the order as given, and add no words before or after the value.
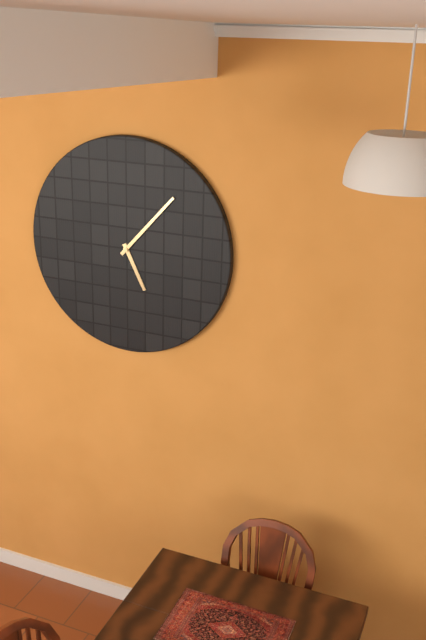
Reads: **5:07**
